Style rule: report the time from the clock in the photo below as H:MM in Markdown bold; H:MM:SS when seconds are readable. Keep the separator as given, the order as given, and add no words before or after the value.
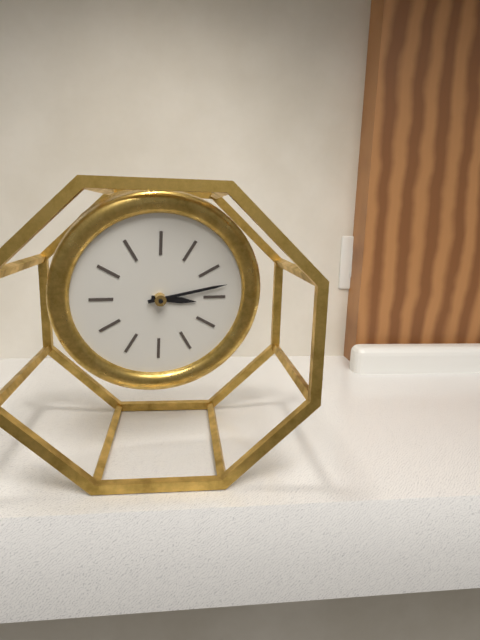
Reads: **3:13**
